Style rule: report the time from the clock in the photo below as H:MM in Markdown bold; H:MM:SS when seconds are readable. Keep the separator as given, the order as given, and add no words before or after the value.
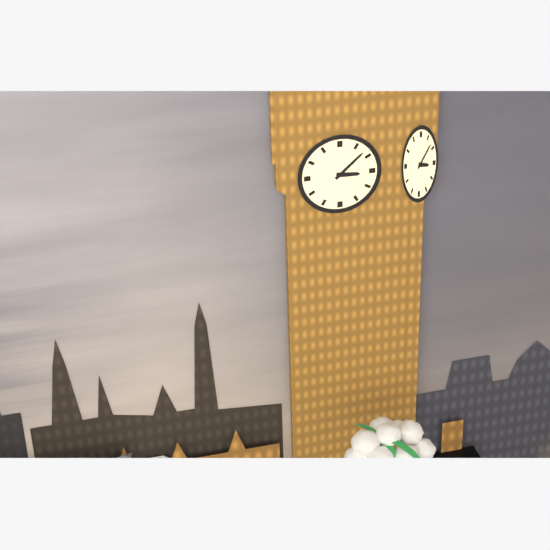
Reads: **3:08**
